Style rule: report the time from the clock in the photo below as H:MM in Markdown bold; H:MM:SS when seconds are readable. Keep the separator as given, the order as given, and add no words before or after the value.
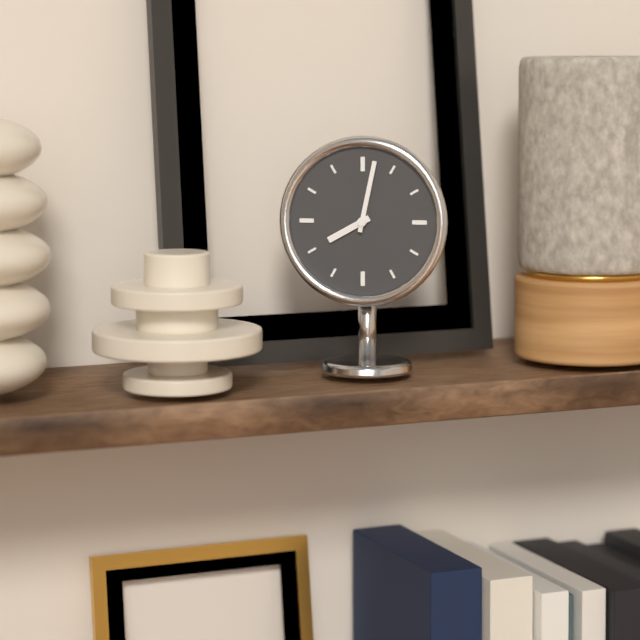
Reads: **8:02**
